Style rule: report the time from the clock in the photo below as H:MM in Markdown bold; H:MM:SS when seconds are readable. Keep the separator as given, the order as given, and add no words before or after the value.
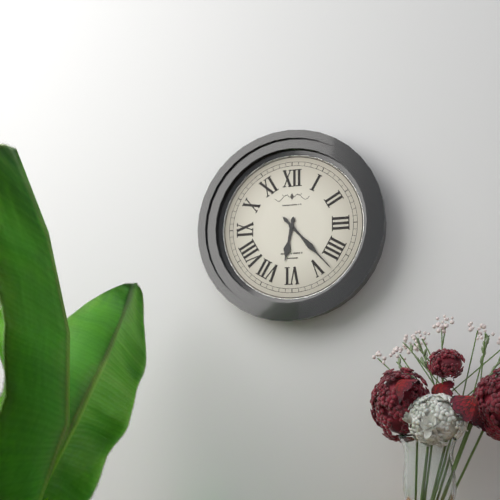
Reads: **6:23**
